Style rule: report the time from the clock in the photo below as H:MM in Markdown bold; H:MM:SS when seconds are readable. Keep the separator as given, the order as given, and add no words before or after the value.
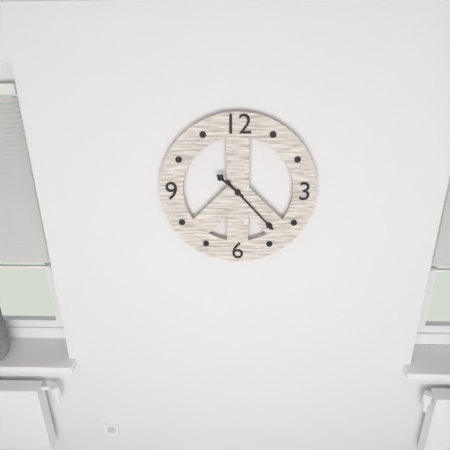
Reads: **10:23**
